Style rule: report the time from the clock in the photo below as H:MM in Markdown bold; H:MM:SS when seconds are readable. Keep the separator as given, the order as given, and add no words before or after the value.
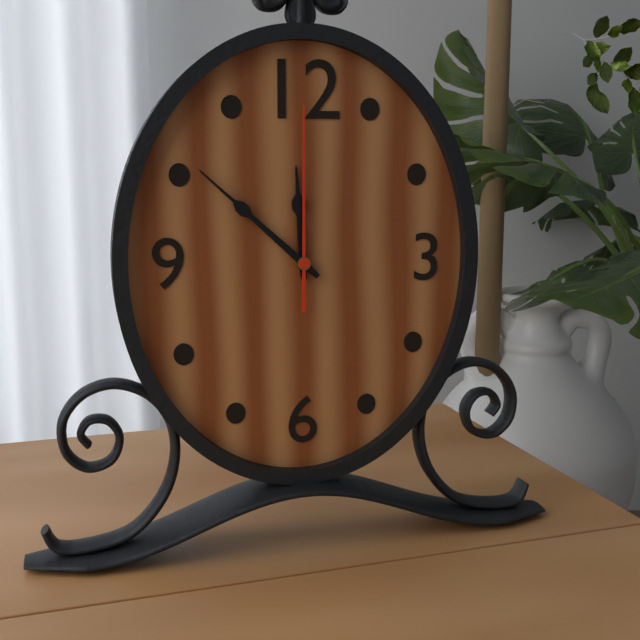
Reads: **11:52:00**
